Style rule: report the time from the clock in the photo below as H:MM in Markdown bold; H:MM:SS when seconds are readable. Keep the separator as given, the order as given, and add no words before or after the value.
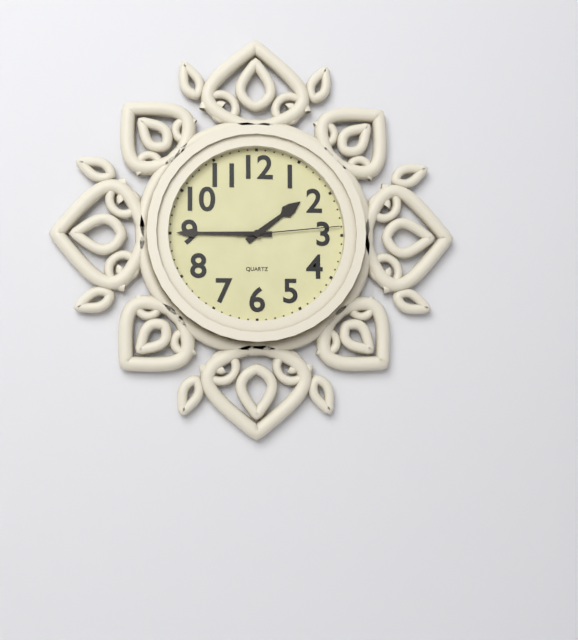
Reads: **1:45:14**
